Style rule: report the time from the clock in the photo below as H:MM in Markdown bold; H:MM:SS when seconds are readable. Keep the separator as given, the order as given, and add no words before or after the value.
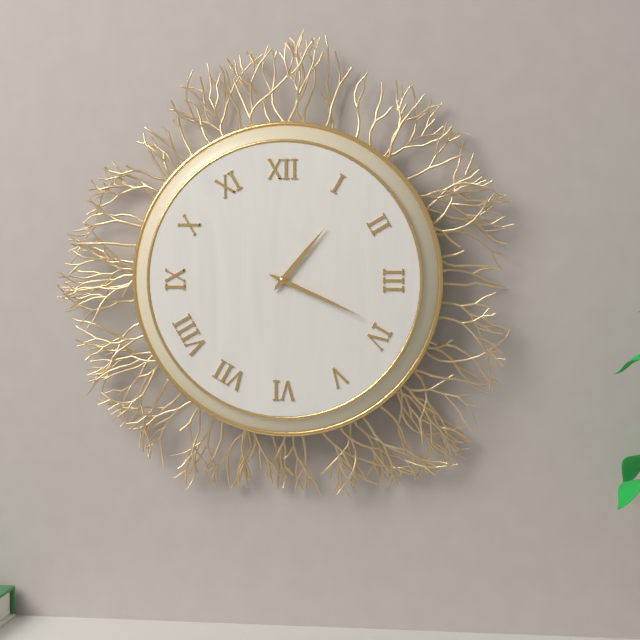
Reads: **1:19**
